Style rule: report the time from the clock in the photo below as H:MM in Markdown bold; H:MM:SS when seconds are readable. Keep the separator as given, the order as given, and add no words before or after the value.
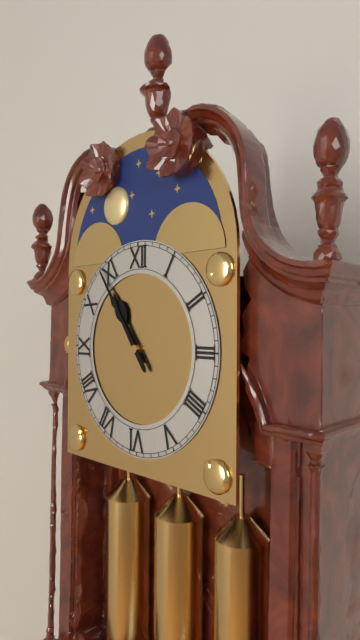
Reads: **10:54**
